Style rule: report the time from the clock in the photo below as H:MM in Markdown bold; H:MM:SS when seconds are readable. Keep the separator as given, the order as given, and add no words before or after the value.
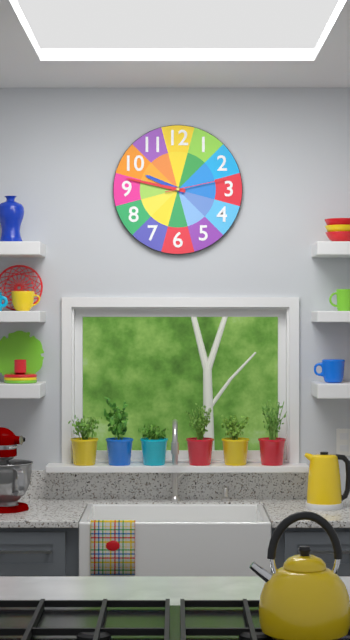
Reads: **9:47:13**
